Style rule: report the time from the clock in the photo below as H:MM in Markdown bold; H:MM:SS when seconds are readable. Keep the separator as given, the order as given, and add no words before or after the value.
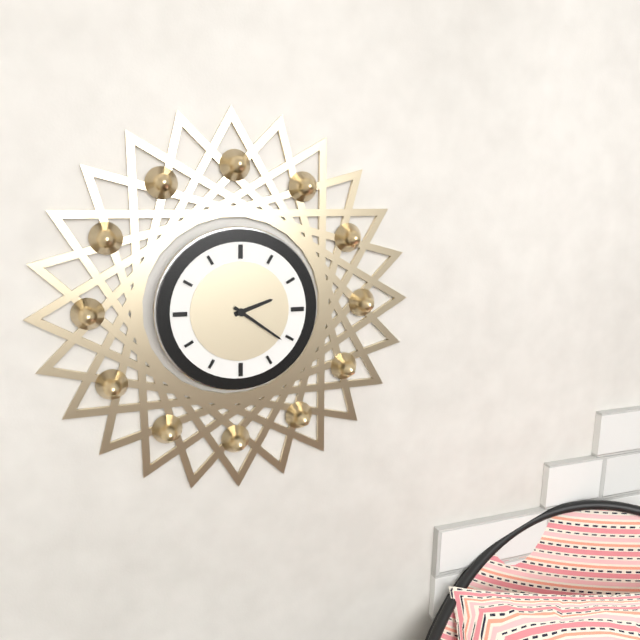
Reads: **2:21**
